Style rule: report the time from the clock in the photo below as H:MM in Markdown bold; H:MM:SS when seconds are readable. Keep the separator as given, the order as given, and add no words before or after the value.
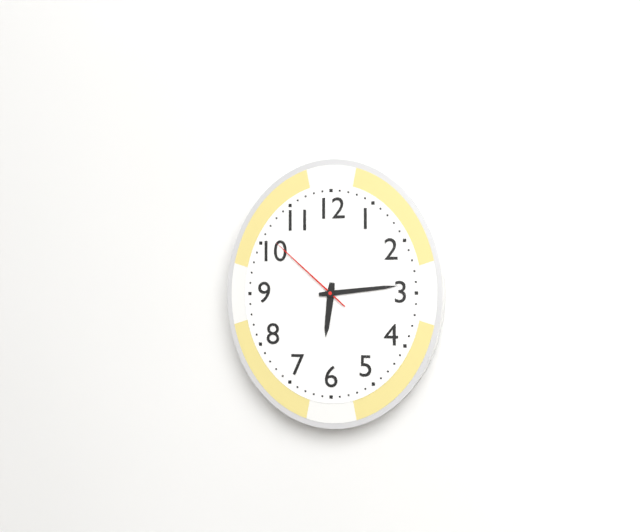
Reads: **6:14:52**
